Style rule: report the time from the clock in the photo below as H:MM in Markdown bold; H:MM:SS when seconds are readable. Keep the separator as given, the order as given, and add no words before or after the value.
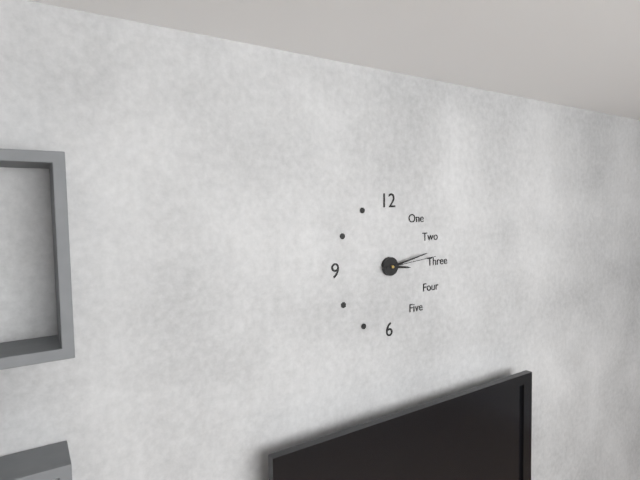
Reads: **3:13:14**
